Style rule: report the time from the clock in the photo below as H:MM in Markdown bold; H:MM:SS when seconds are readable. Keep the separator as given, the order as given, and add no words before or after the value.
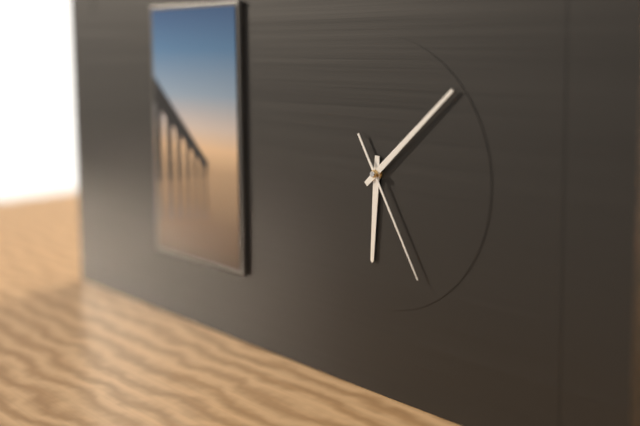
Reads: **6:08:25**
